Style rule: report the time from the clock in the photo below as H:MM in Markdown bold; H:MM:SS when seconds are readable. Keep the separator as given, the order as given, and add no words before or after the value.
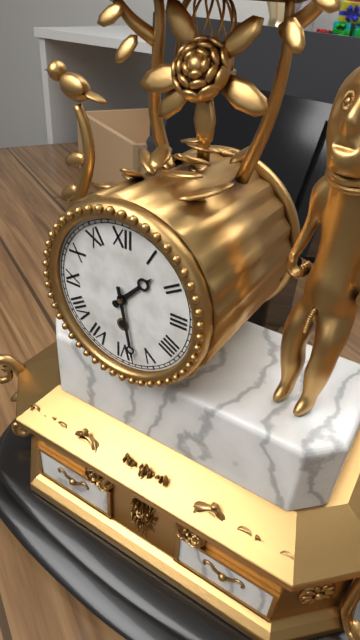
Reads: **1:28**
